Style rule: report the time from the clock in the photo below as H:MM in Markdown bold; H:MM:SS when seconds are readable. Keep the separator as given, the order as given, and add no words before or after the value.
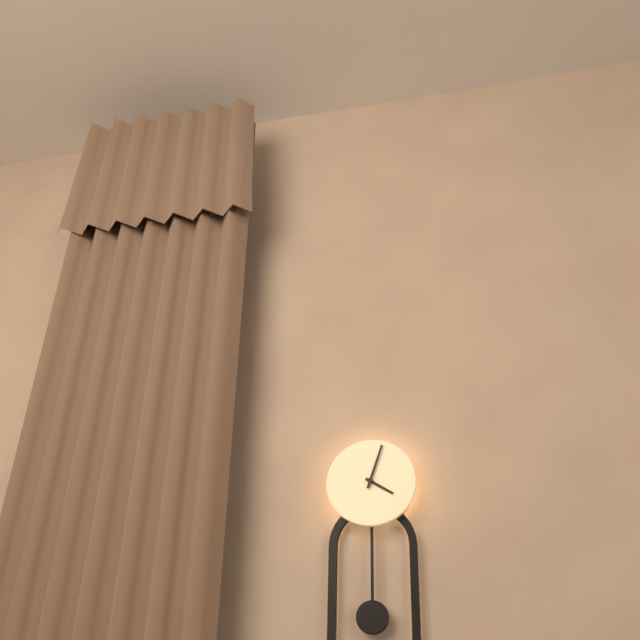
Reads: **4:03**
